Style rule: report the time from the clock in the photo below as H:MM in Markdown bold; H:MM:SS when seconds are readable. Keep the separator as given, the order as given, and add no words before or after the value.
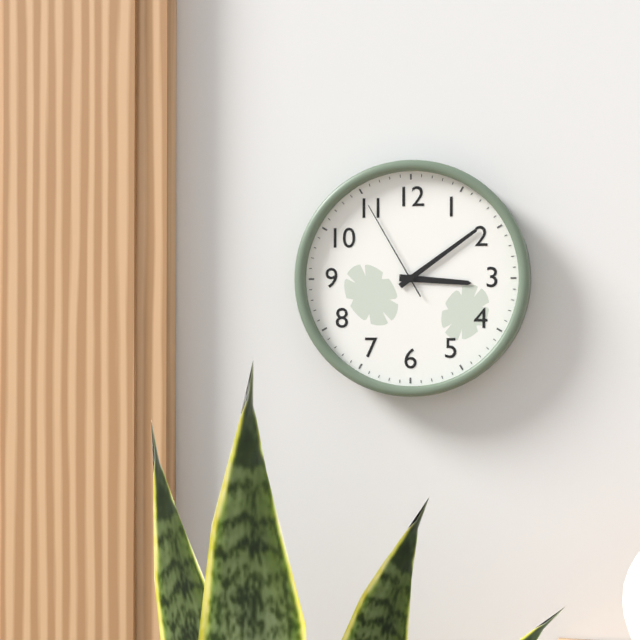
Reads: **3:09:55**
